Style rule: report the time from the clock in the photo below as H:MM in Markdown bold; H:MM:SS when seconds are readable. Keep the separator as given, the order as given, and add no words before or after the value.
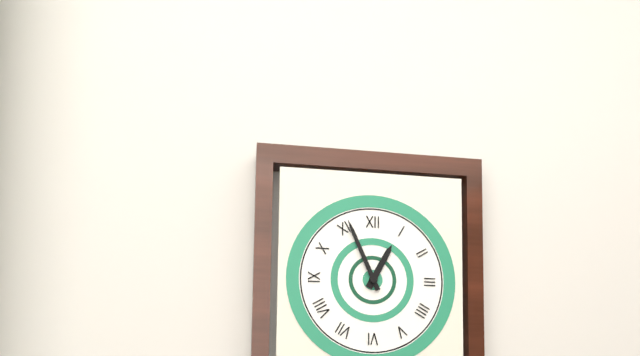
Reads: **12:56**
